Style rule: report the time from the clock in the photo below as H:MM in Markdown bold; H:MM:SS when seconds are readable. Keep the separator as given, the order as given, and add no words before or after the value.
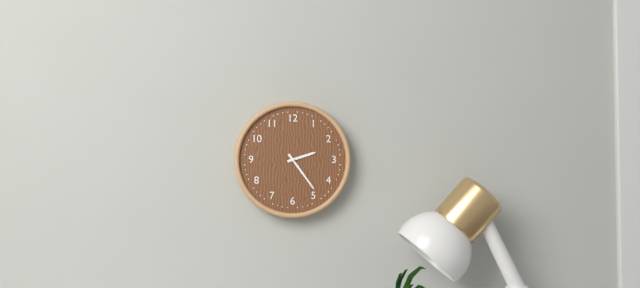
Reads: **2:24**
